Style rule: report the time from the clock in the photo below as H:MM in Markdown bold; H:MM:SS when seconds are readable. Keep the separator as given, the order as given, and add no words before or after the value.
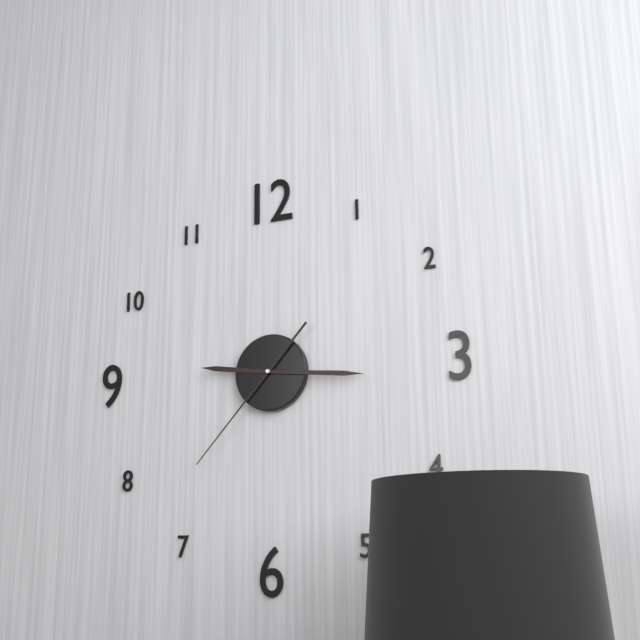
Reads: **9:16:37**
